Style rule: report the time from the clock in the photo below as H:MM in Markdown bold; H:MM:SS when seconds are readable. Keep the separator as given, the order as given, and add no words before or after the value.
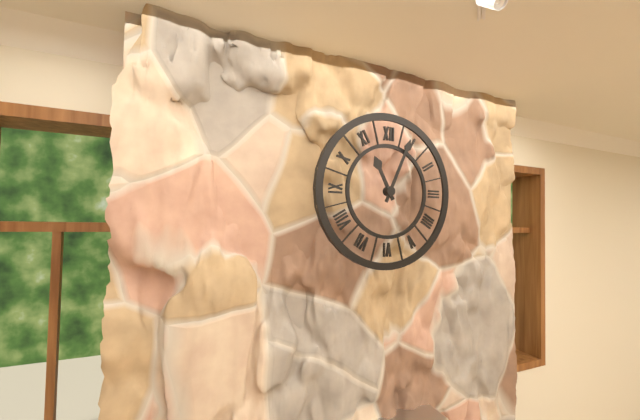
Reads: **11:04**
